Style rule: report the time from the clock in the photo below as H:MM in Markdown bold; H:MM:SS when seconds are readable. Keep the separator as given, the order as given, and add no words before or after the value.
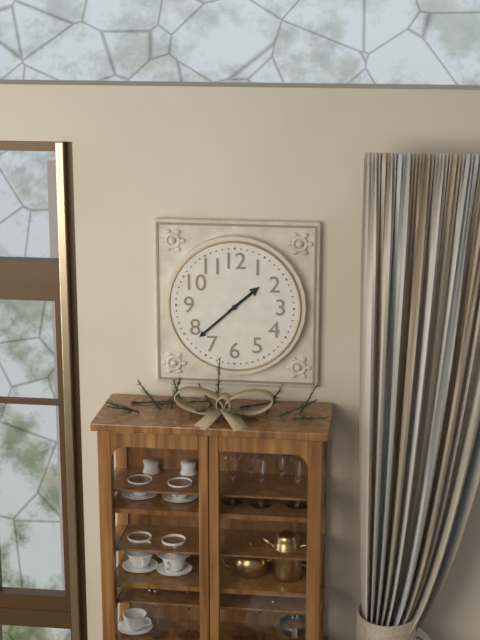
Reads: **1:38**
